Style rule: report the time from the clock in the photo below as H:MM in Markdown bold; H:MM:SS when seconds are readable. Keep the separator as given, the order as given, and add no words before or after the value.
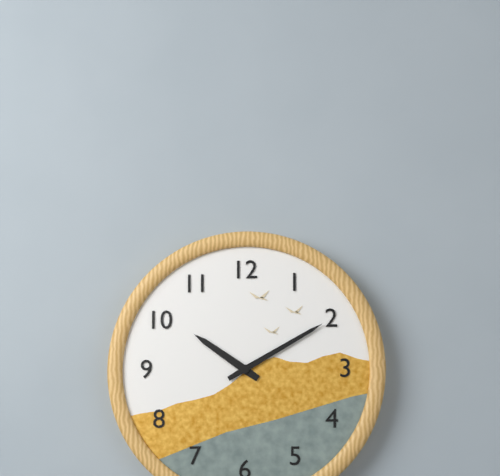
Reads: **10:10**
